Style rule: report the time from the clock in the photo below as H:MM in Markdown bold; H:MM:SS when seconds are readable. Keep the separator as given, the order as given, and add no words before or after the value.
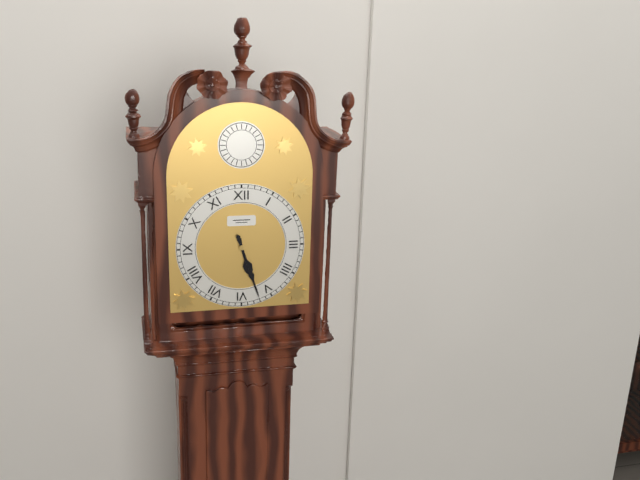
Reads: **5:27**
